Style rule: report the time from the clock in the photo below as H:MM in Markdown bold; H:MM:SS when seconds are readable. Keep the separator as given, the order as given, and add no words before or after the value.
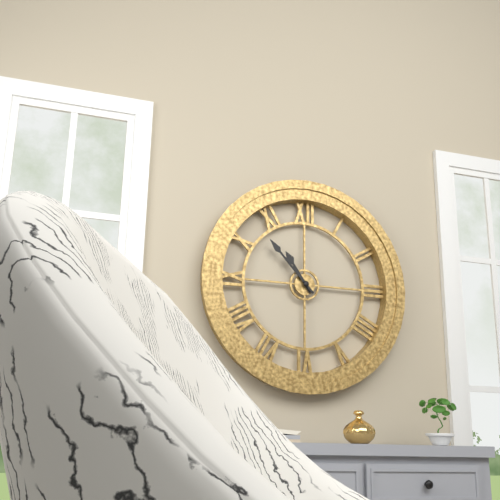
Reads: **10:53**
